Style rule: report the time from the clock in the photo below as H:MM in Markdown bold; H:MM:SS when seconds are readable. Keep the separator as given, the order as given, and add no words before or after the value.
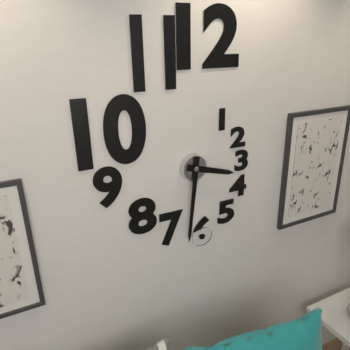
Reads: **3:31**
